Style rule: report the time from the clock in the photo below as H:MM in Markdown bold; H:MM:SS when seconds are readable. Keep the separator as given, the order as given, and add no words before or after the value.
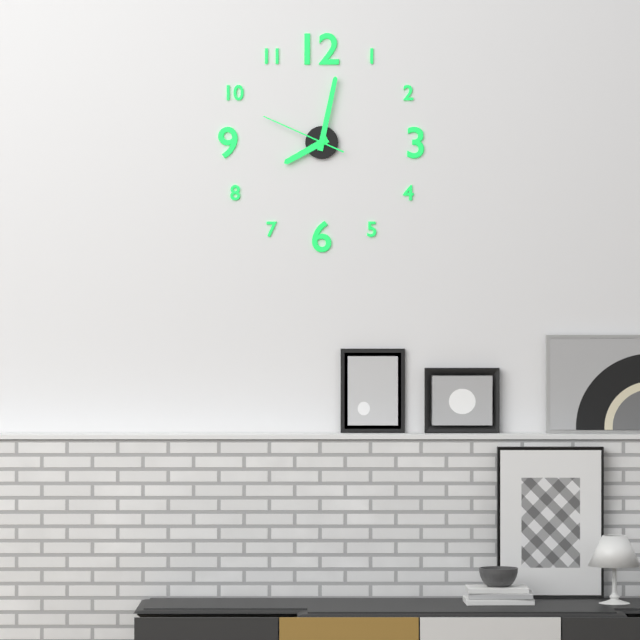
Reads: **8:02:49**
